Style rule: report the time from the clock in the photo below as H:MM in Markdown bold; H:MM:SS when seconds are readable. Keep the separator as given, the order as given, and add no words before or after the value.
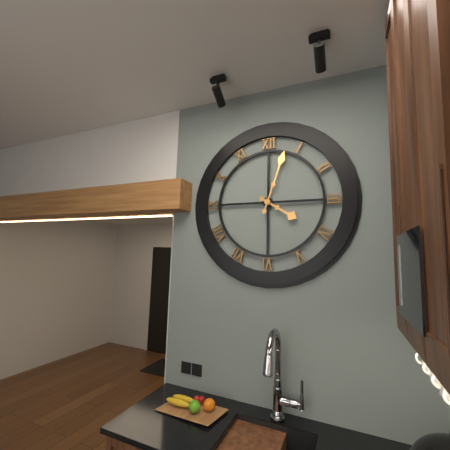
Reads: **4:03**
